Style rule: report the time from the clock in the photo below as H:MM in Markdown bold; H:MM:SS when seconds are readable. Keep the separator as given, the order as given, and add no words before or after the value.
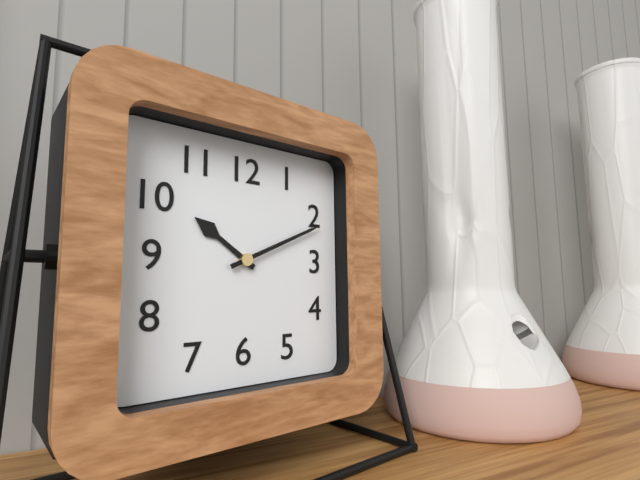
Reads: **10:11**
